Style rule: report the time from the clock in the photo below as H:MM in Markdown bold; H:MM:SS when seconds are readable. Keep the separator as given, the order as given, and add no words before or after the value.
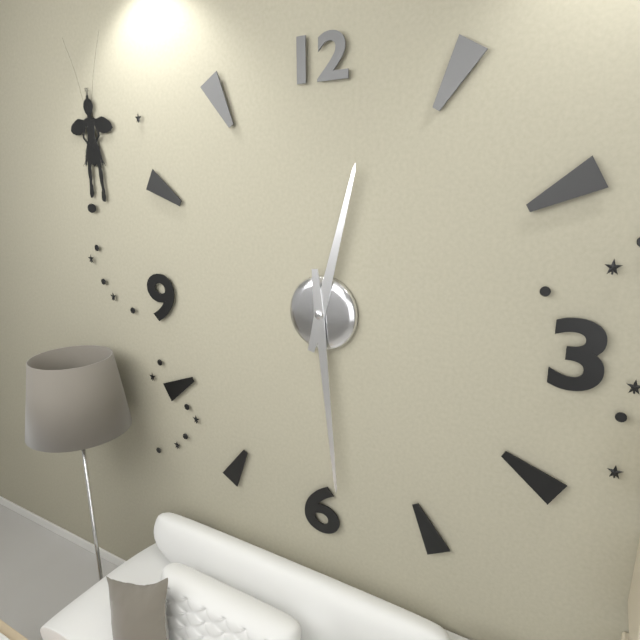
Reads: **12:29**
